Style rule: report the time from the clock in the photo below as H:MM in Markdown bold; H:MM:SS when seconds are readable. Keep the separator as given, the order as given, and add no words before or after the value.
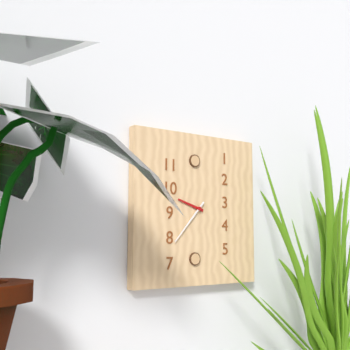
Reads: **9:37**
